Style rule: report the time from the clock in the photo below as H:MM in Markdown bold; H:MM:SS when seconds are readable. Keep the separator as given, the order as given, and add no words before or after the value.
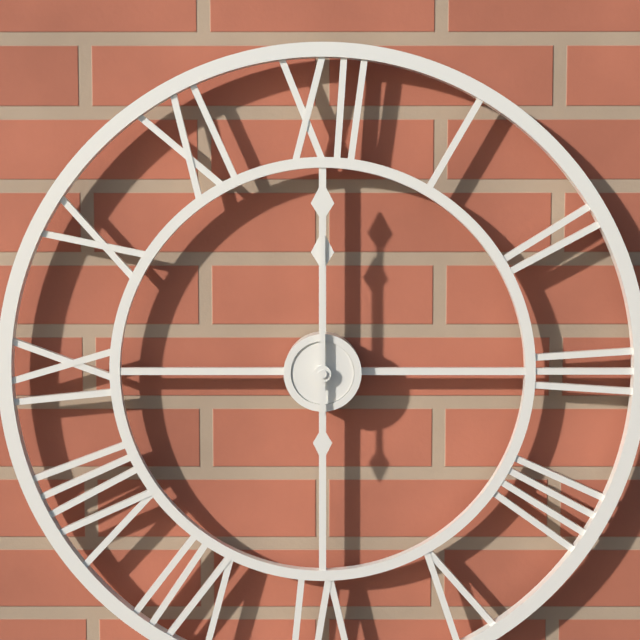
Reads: **12:00**
